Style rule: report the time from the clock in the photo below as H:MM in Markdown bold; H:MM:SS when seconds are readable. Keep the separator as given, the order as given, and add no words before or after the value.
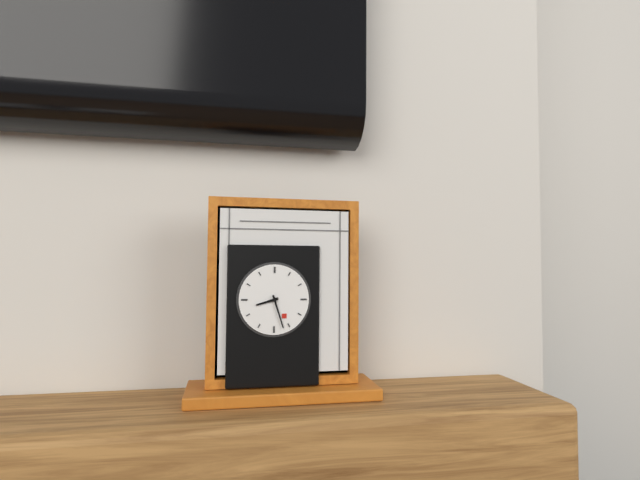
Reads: **8:27**
